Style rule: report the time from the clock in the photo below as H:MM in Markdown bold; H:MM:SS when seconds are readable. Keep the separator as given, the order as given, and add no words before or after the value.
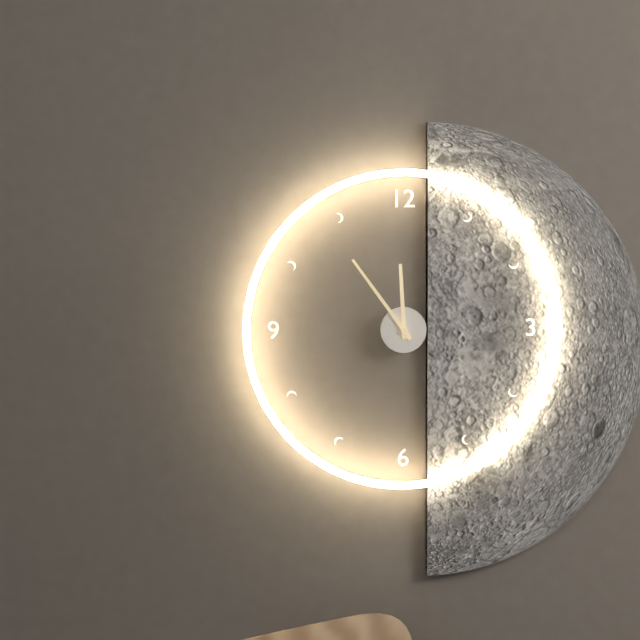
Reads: **11:54**
